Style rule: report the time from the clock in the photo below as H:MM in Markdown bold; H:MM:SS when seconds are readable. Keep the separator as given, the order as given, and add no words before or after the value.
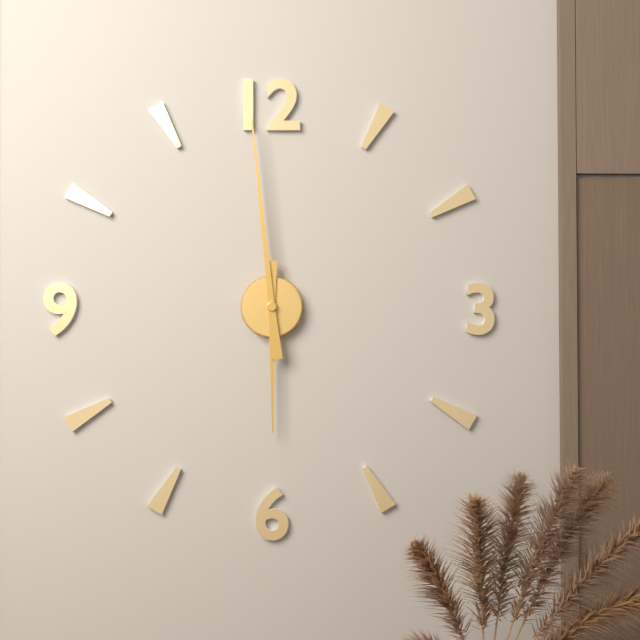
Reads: **5:59**
